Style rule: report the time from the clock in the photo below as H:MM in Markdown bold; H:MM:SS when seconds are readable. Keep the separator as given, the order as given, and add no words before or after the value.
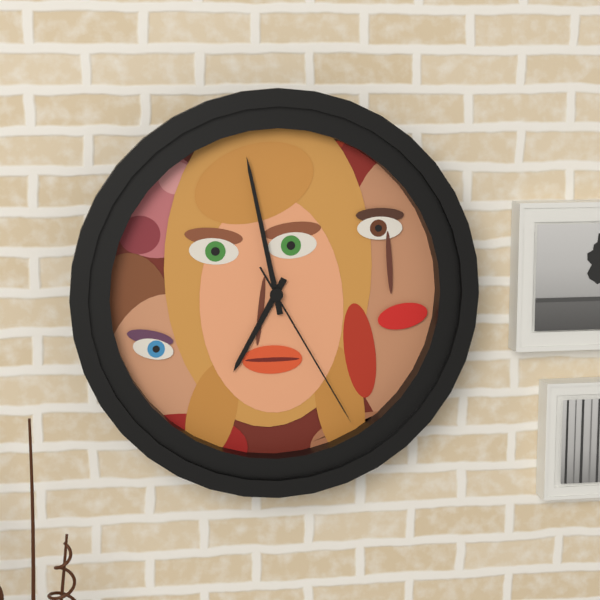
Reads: **6:58:25**
